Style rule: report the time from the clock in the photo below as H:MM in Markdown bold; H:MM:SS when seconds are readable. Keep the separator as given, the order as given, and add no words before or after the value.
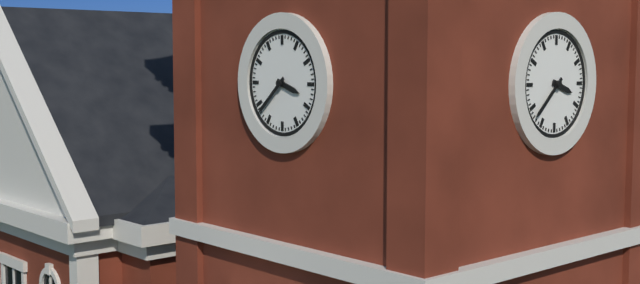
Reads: **3:38**
